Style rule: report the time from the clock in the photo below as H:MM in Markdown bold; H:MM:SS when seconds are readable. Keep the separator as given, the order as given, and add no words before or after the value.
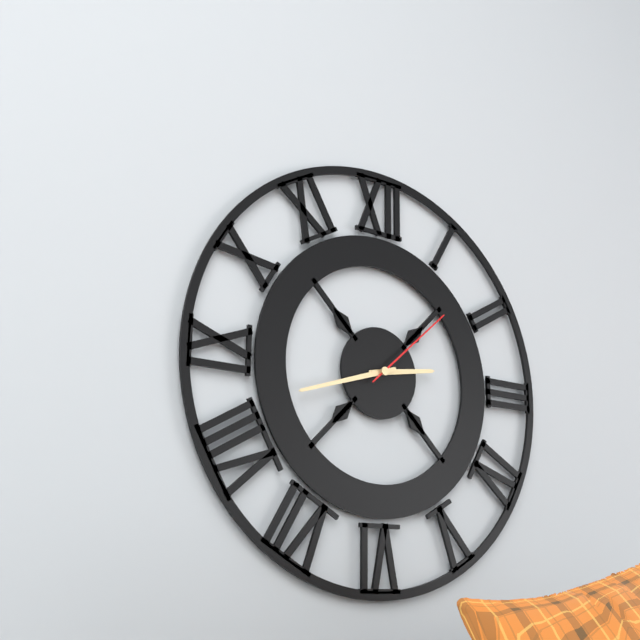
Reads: **2:42:08**
